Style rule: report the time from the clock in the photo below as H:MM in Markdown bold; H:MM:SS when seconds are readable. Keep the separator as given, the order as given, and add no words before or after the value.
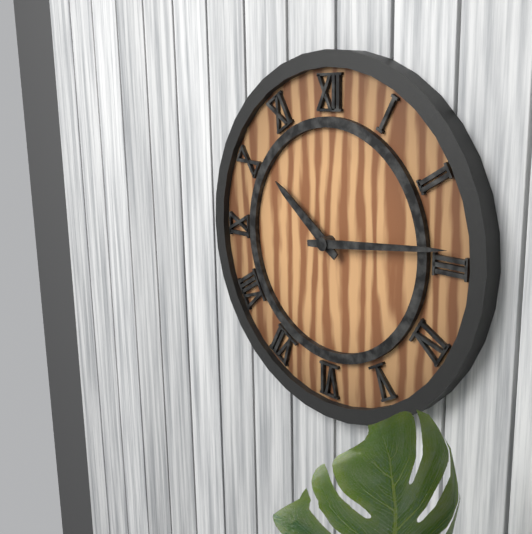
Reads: **10:14**
